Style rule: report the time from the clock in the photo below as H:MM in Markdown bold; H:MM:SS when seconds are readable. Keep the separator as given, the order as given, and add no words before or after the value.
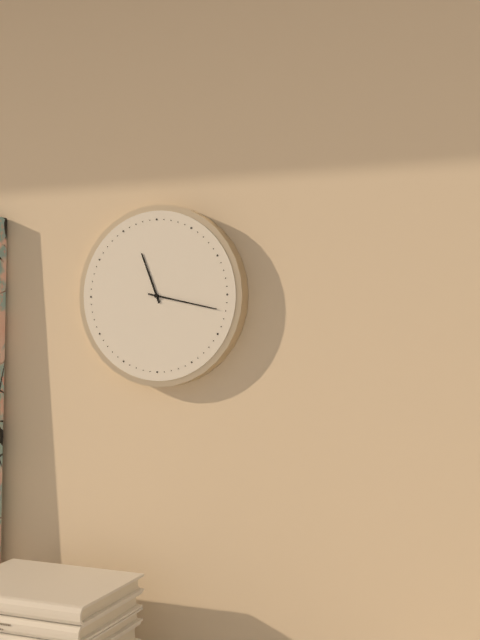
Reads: **11:17**
